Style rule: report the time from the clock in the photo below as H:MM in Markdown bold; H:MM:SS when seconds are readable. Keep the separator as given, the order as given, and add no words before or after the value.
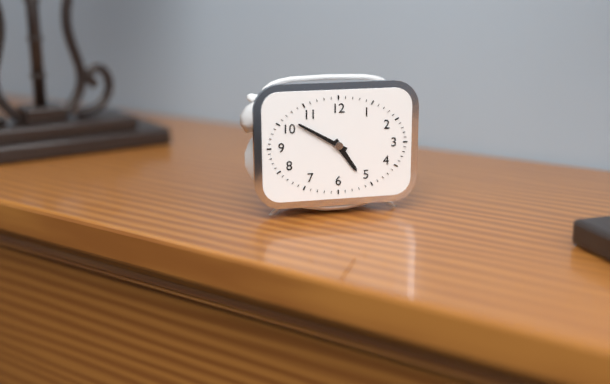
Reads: **4:50**
